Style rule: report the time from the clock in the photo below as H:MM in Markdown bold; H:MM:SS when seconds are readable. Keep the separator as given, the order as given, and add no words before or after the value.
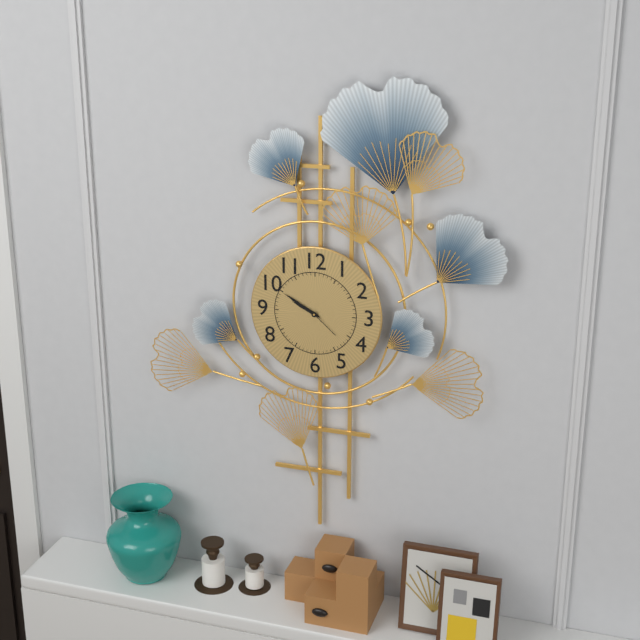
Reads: **9:50**
